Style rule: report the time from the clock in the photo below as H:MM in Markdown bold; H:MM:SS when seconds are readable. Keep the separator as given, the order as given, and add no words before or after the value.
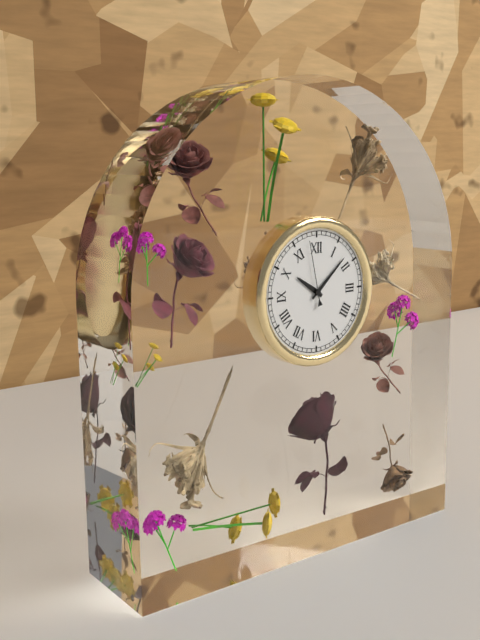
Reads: **10:08:58**
